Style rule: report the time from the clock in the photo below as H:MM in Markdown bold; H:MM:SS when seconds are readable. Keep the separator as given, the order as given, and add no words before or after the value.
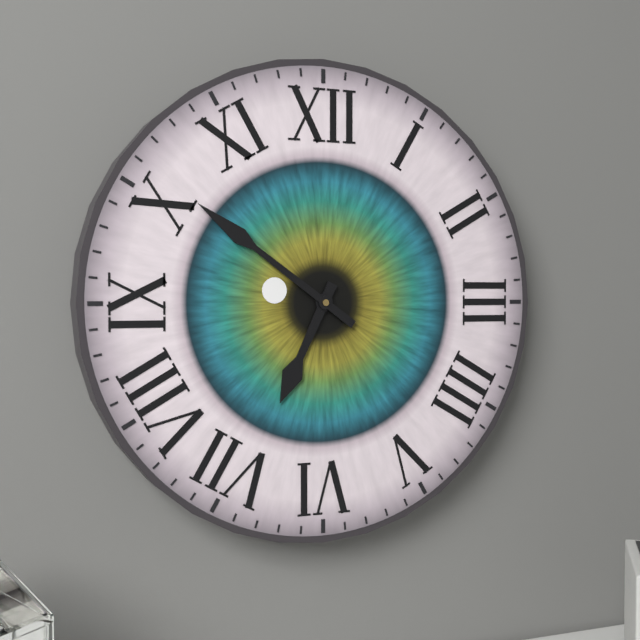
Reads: **6:51**
